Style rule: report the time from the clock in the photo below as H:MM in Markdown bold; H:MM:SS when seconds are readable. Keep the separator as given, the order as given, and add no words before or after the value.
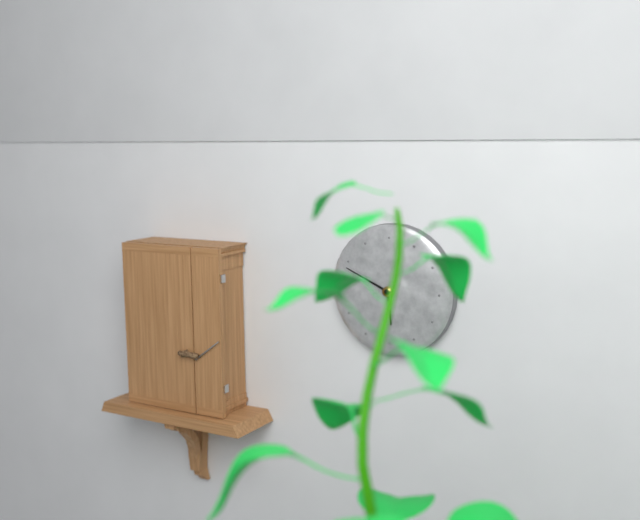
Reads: **5:49**
